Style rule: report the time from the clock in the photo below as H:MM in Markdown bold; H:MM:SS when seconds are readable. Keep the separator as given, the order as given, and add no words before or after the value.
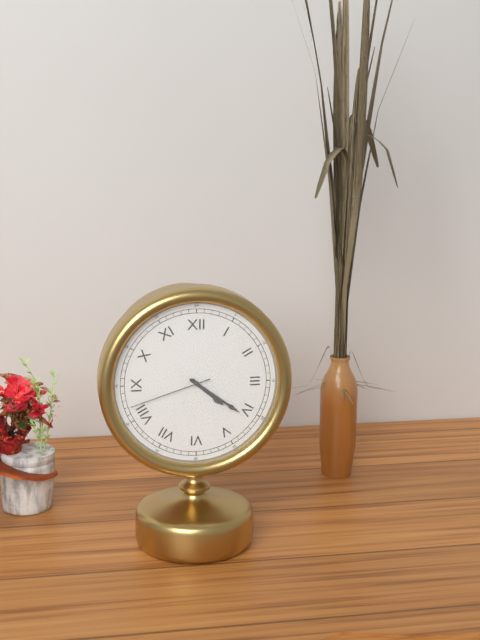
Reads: **4:21:42**
